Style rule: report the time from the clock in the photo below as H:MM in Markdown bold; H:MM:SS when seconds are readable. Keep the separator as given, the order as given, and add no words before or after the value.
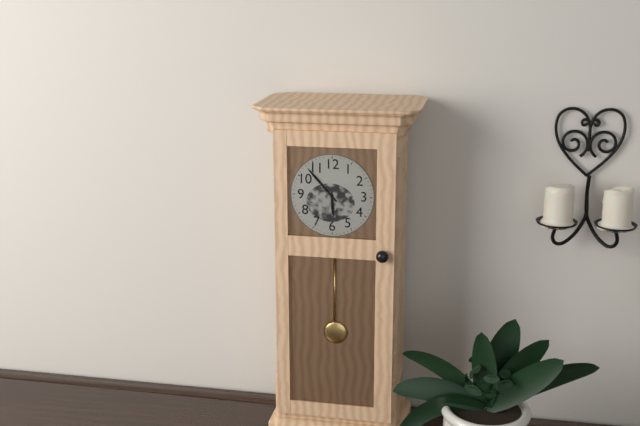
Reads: **5:53**
